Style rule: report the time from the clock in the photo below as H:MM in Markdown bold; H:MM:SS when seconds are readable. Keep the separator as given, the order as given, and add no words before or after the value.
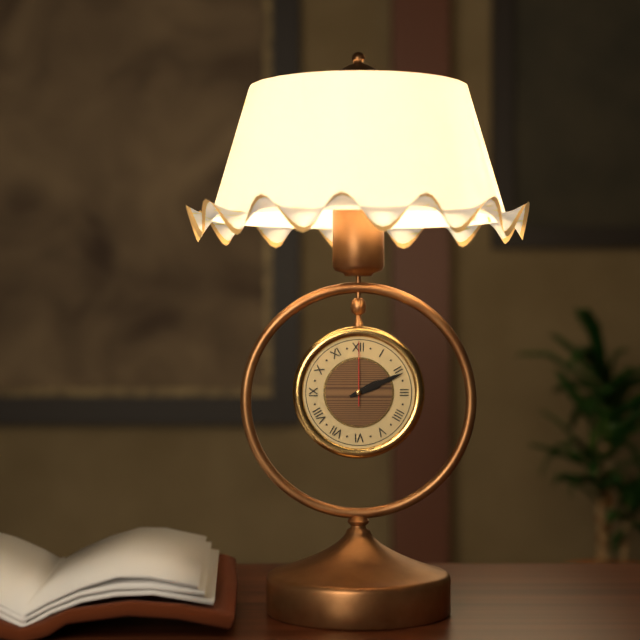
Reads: **2:11:00**
